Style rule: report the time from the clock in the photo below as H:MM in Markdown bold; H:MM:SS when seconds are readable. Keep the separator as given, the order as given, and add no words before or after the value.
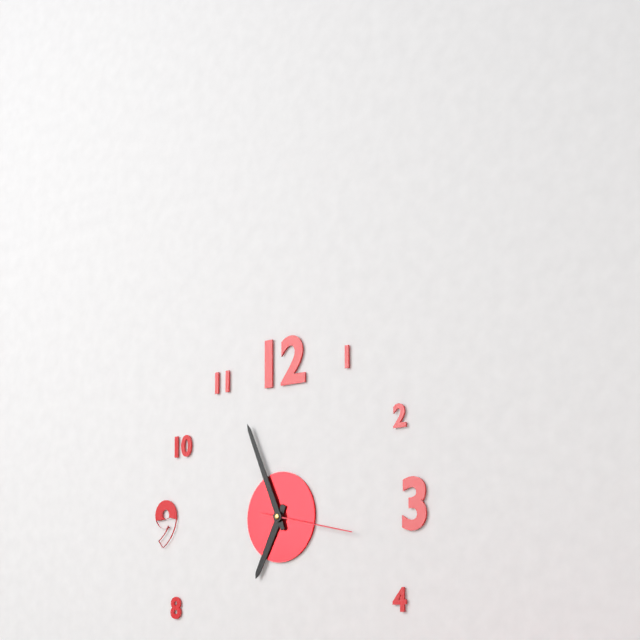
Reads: **6:56:17**
